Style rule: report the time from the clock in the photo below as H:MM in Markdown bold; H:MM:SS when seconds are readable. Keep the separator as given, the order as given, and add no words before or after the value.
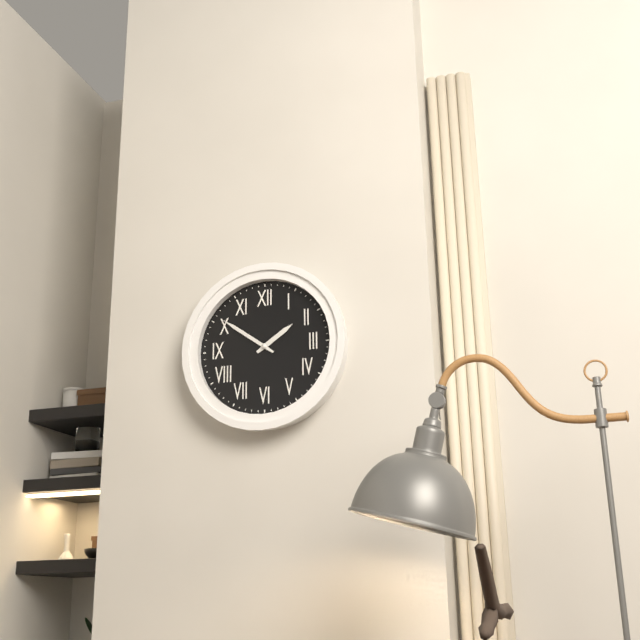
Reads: **1:51**
